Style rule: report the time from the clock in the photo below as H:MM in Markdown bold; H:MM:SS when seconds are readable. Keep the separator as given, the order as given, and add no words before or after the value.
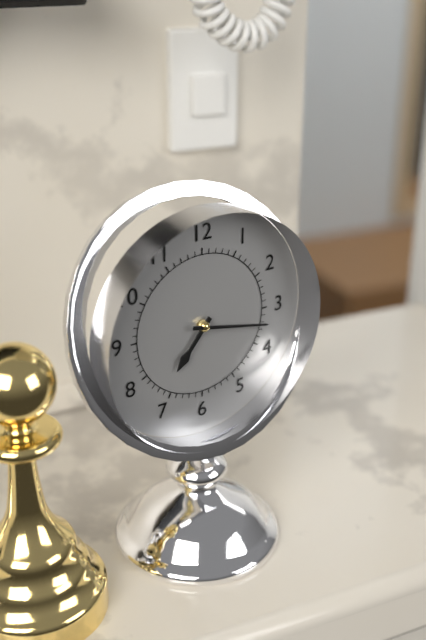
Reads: **7:17**
